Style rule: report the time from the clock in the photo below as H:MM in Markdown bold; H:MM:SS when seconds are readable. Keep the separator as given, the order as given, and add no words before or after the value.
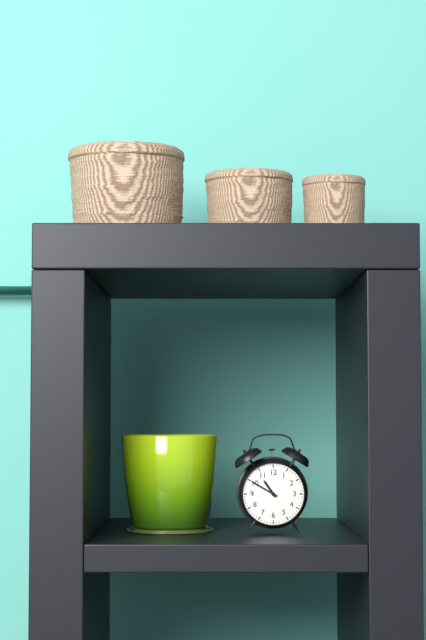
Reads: **10:50**
